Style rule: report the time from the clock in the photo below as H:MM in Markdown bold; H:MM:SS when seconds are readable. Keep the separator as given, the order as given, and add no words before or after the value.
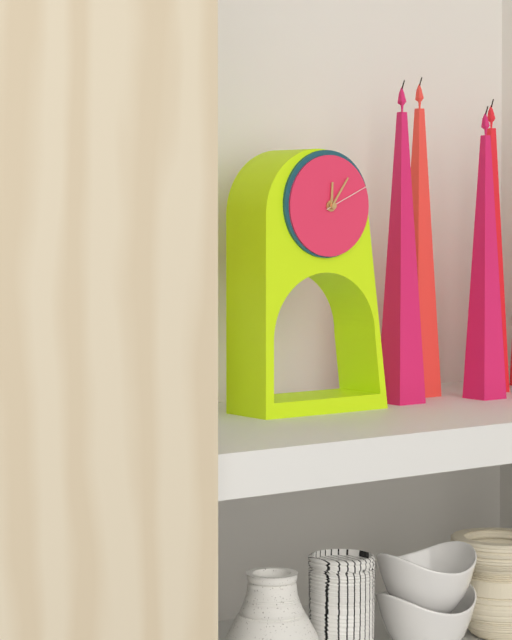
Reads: **12:06**
